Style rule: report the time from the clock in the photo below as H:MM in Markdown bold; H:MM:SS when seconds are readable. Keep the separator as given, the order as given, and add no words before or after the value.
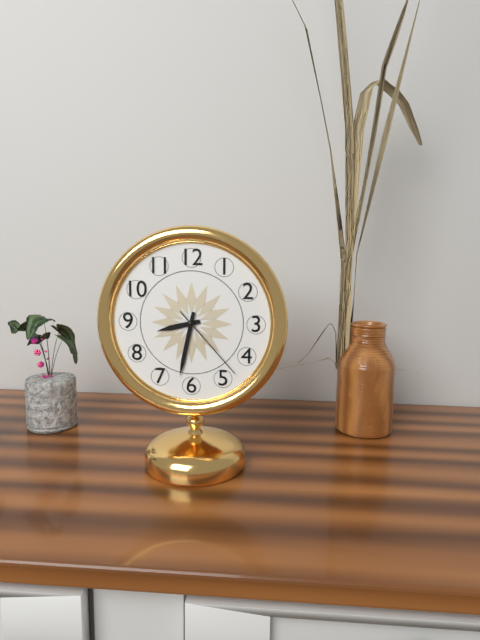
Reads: **8:32:23**
